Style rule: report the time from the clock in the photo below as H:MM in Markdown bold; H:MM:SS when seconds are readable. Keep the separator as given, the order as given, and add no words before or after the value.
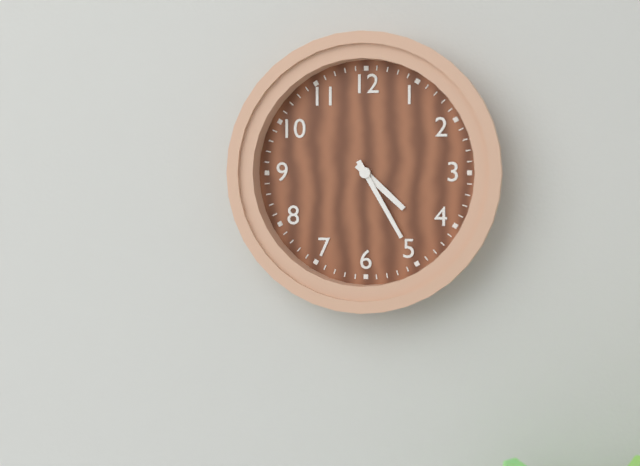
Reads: **4:25**
